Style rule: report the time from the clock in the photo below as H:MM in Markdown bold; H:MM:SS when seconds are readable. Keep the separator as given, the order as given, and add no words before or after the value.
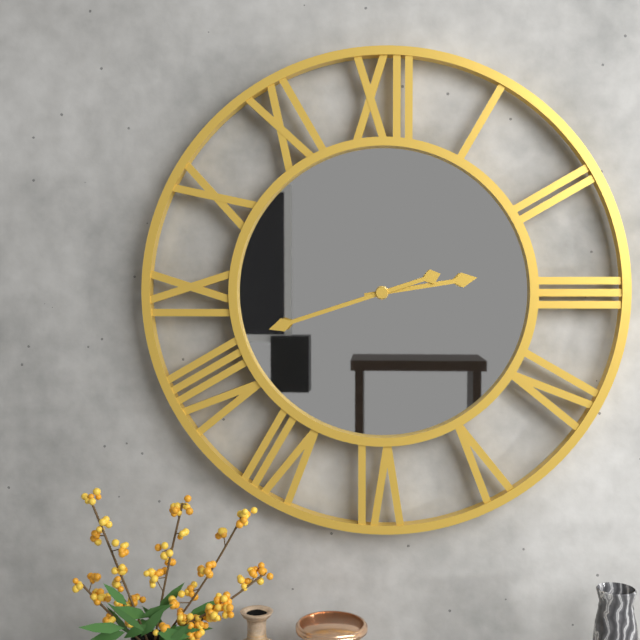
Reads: **2:42**
